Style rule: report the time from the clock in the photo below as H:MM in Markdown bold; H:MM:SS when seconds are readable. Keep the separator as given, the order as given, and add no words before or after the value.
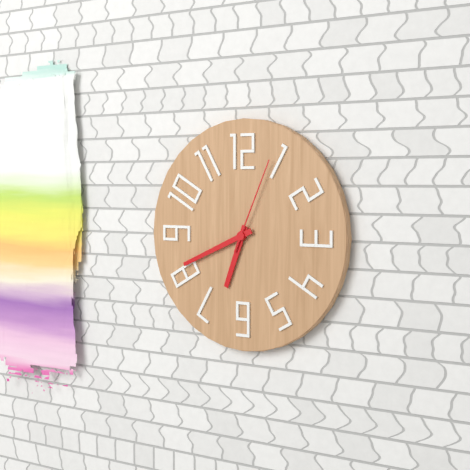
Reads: **6:41:04**
